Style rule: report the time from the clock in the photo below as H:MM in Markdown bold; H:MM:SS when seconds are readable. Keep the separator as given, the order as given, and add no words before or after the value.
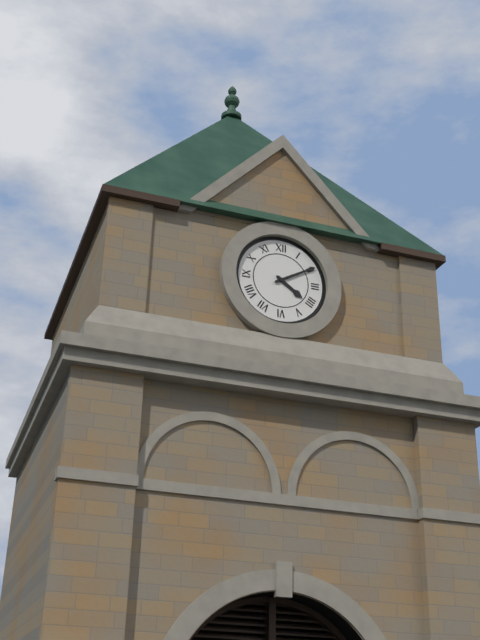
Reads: **4:10**
